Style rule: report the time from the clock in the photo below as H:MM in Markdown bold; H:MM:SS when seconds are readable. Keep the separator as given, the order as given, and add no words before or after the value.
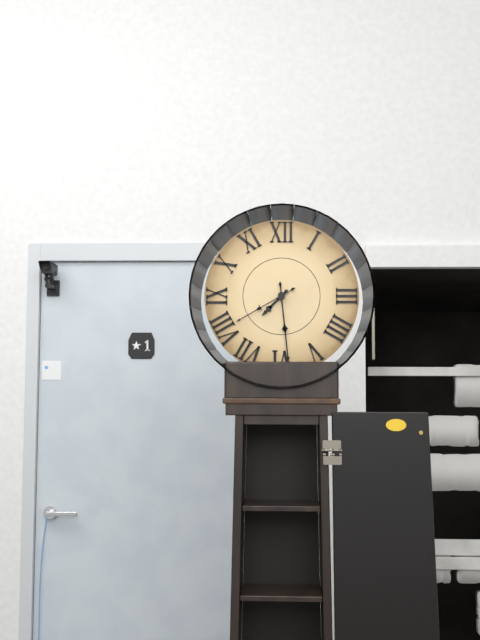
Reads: **7:29:40**
